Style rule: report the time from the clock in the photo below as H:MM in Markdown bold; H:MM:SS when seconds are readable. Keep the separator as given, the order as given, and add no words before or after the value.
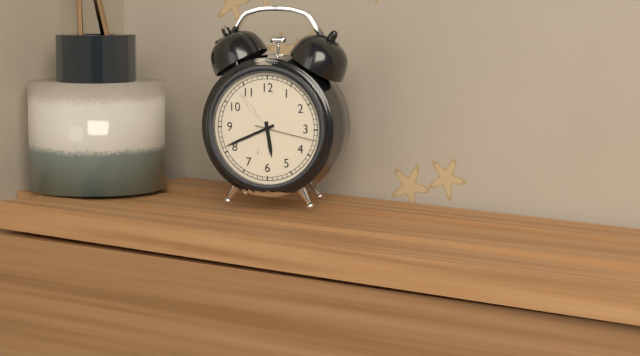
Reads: **5:41:17**
